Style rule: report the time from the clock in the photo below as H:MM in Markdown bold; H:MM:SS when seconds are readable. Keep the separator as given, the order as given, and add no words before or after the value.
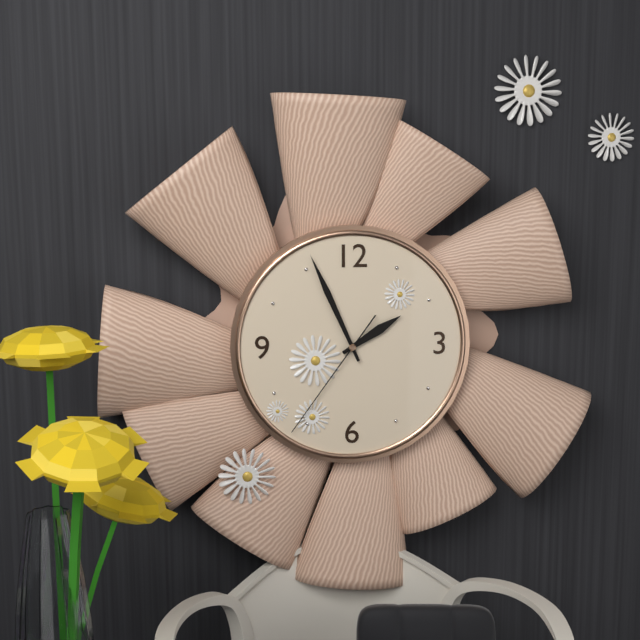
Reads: **1:56:36**
